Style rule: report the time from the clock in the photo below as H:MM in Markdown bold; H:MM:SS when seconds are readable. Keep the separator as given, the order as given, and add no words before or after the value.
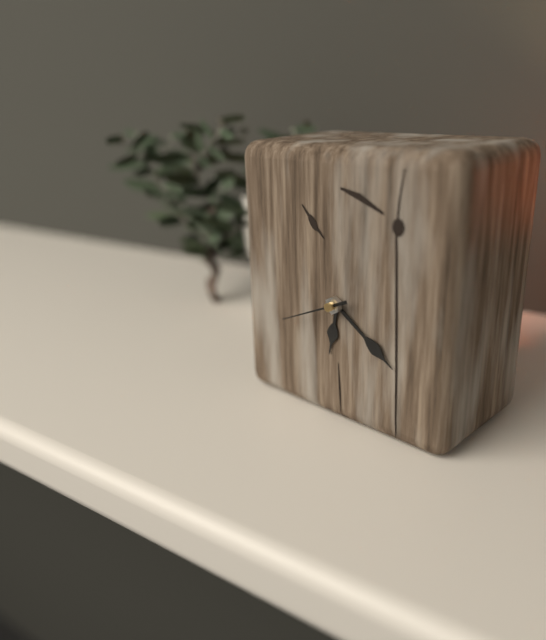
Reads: **6:21:41**
